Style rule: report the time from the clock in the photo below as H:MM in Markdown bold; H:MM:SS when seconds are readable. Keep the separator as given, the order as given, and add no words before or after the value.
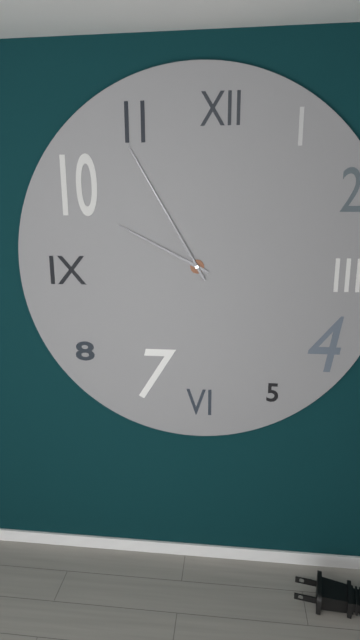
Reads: **9:55**
